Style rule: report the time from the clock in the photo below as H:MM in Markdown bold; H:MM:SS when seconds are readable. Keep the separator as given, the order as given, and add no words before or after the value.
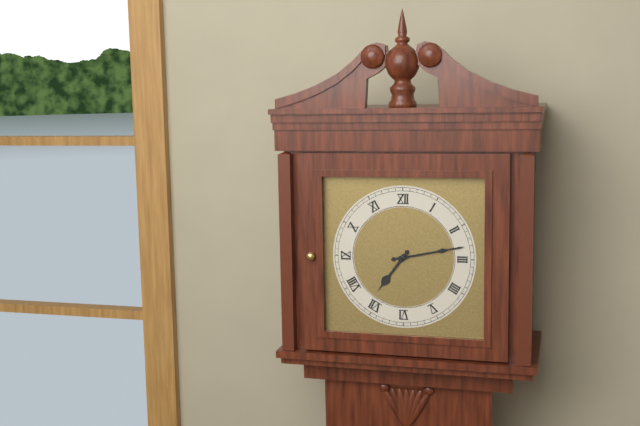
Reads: **7:13**
